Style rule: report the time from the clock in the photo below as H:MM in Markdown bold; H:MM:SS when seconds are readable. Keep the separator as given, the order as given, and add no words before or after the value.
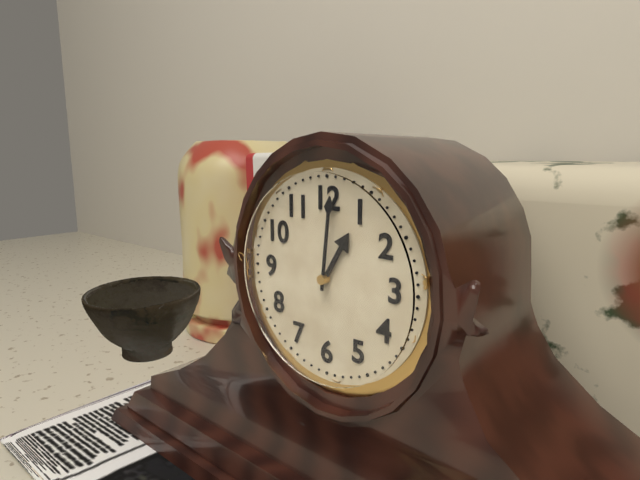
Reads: **1:01**
